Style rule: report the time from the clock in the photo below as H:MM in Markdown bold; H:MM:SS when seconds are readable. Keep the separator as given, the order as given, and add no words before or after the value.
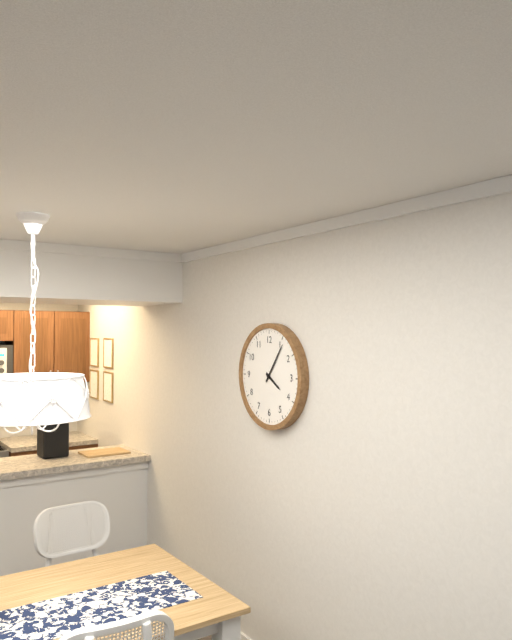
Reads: **4:06**
